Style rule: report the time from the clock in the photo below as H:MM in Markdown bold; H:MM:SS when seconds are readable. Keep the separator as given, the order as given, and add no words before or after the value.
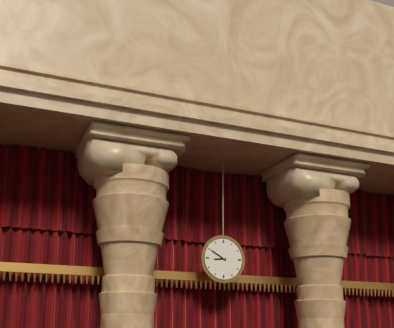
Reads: **8:50**
